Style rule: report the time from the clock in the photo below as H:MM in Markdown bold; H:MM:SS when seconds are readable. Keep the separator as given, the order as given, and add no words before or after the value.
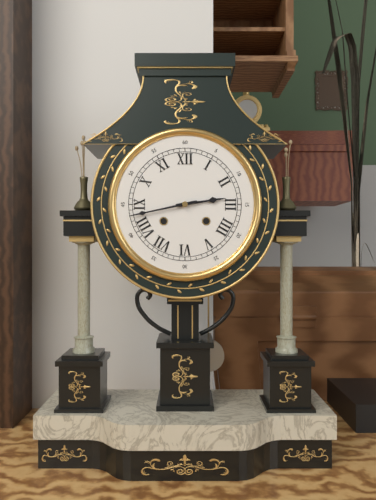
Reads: **2:43**
